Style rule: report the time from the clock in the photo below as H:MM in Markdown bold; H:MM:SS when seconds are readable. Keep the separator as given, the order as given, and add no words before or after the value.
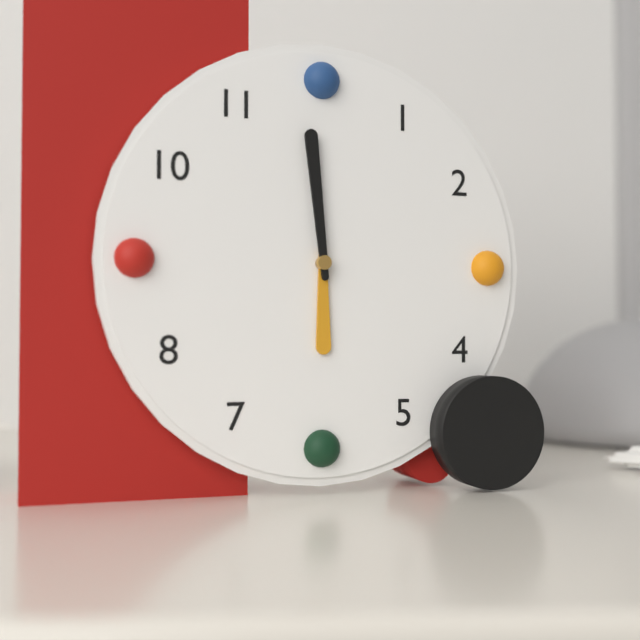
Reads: **5:59**
